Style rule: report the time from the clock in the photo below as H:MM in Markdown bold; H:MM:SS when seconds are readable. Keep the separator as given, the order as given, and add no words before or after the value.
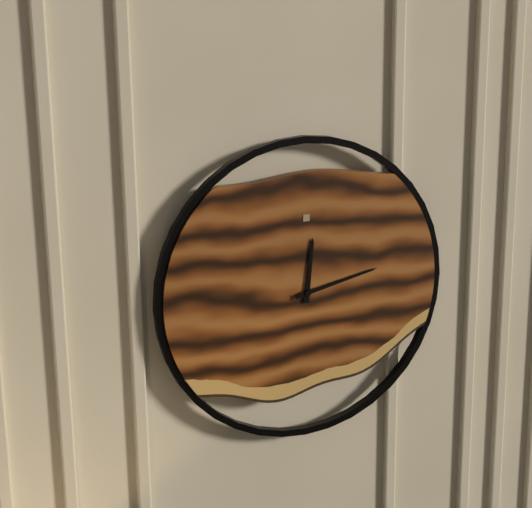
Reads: **12:13**
